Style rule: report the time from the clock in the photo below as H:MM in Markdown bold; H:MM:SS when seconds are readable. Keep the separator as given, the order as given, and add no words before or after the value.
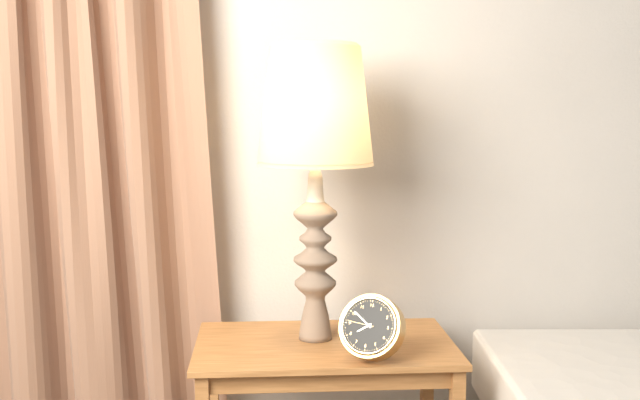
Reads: **7:51**
